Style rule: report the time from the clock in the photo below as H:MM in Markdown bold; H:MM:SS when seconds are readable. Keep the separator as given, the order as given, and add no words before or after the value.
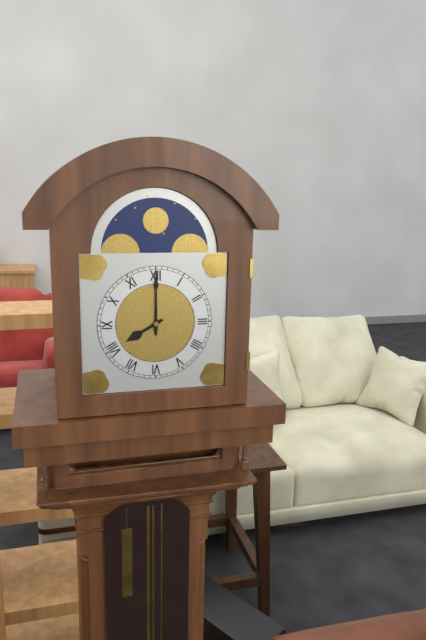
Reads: **8:00**
